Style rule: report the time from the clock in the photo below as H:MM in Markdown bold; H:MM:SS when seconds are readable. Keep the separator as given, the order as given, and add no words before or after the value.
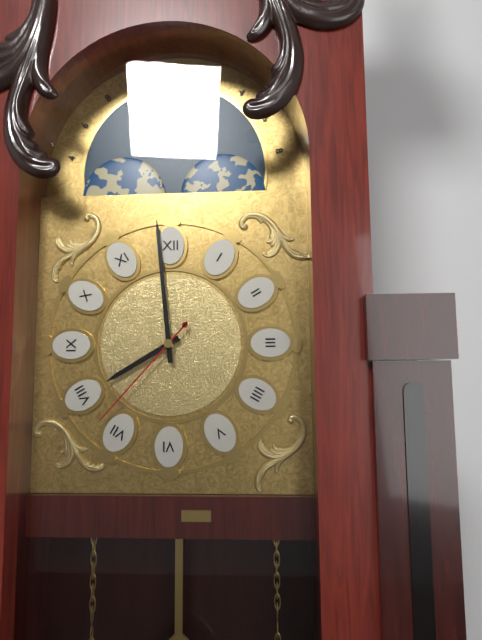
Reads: **7:59:37**
